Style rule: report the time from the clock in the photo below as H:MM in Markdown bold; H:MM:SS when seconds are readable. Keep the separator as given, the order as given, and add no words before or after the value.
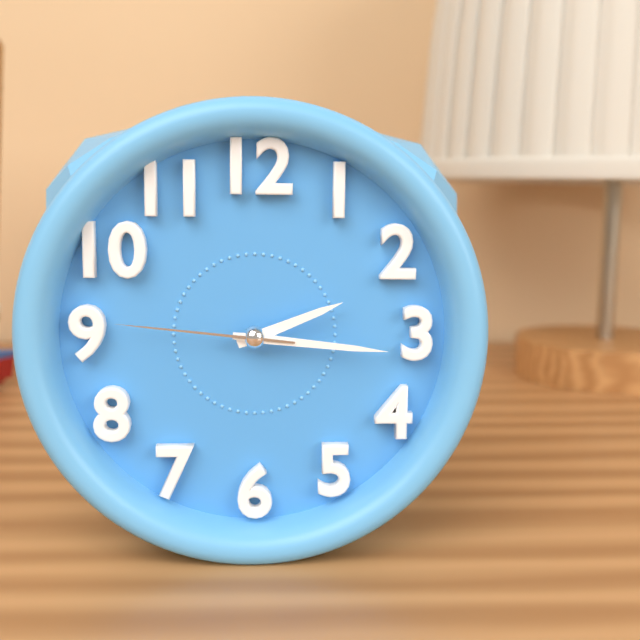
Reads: **2:16:46**
